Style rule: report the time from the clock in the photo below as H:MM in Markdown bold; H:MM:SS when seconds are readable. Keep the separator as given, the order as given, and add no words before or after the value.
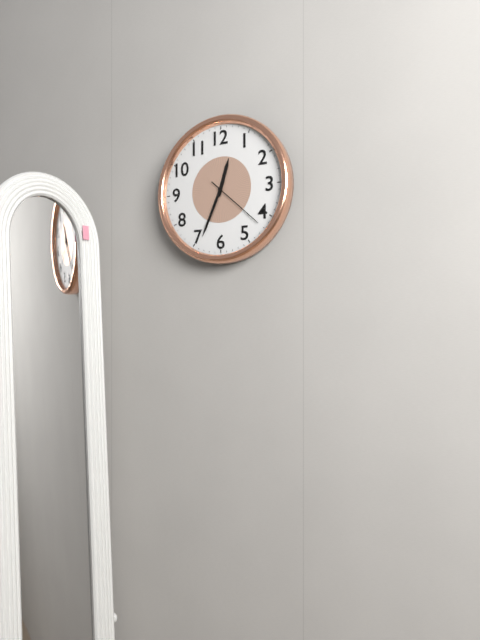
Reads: **12:34:22**
